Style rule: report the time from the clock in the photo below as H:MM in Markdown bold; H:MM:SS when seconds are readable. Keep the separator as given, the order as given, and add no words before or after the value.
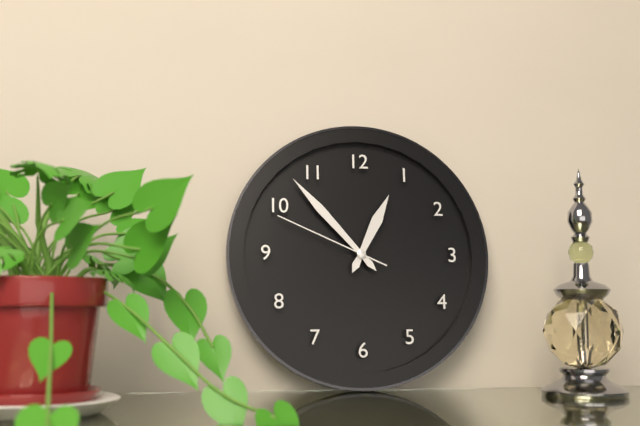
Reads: **12:53:49**
